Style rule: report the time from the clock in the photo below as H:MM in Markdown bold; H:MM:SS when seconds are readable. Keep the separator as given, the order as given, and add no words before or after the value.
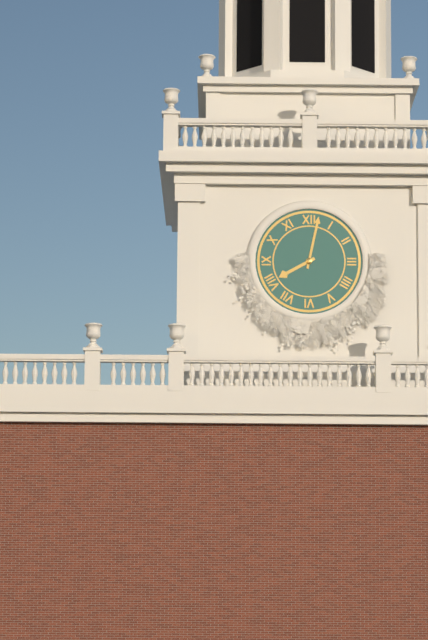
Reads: **8:02**
